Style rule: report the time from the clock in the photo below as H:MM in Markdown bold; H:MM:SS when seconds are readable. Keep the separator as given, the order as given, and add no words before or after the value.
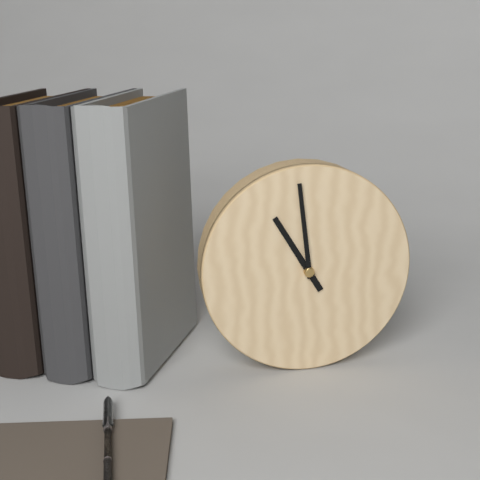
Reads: **10:59**
